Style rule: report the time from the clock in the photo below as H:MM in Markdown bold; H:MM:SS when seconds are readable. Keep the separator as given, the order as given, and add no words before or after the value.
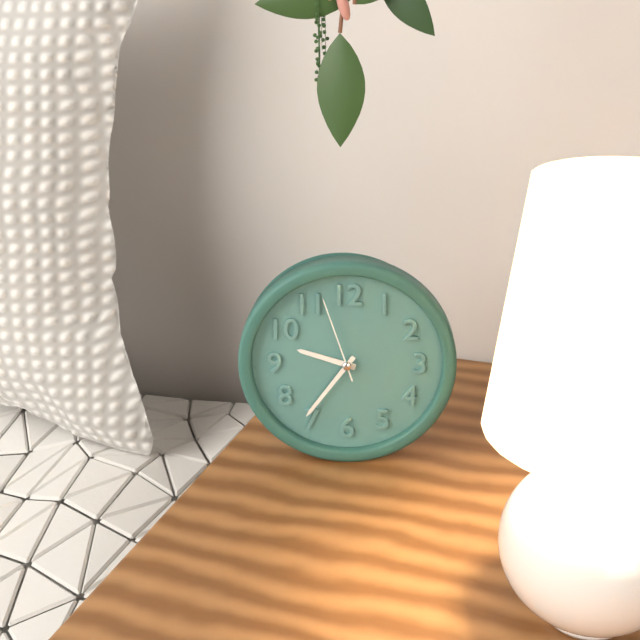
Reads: **9:36:57**
